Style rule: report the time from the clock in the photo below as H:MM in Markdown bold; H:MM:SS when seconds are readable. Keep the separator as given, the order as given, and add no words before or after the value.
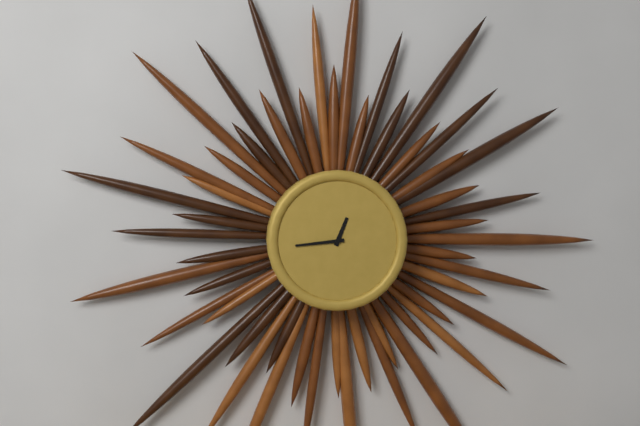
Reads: **12:44**
